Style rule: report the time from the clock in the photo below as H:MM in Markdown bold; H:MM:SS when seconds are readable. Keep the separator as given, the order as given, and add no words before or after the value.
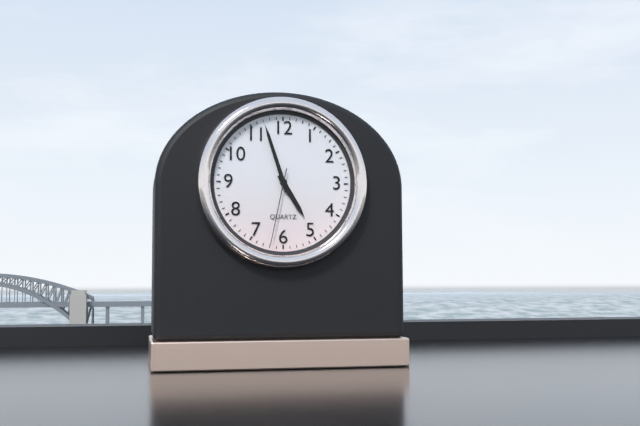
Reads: **4:57:32**
